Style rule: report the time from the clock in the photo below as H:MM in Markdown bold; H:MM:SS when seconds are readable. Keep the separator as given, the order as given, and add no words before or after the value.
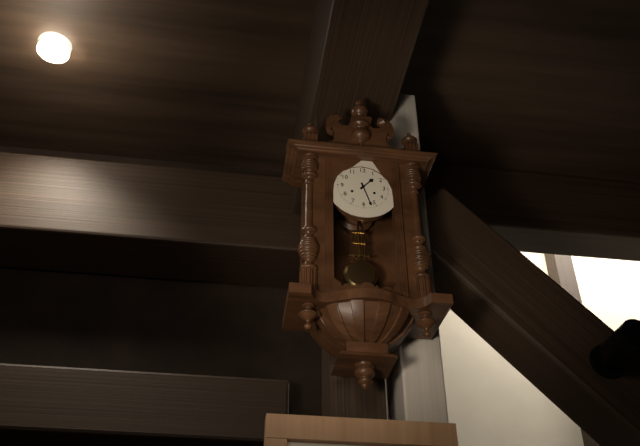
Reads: **1:27**
